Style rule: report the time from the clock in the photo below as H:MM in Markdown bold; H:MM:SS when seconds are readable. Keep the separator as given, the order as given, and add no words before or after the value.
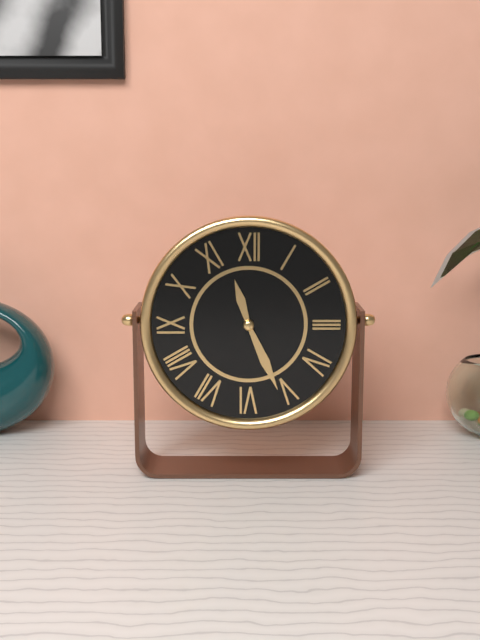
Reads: **11:26**
